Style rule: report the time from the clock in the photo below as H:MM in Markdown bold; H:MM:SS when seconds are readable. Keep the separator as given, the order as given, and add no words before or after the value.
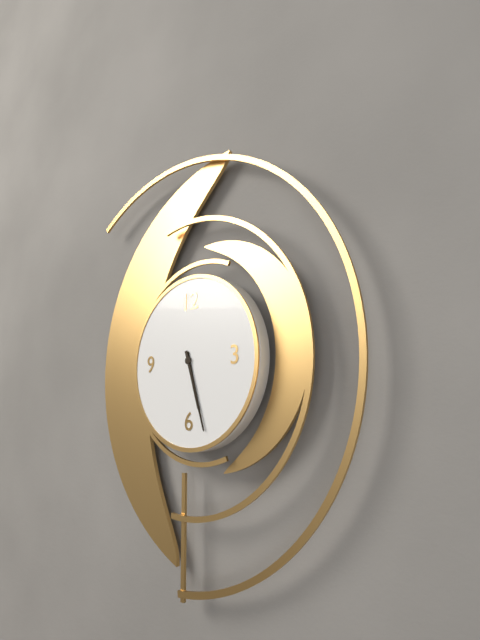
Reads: **5:27**
